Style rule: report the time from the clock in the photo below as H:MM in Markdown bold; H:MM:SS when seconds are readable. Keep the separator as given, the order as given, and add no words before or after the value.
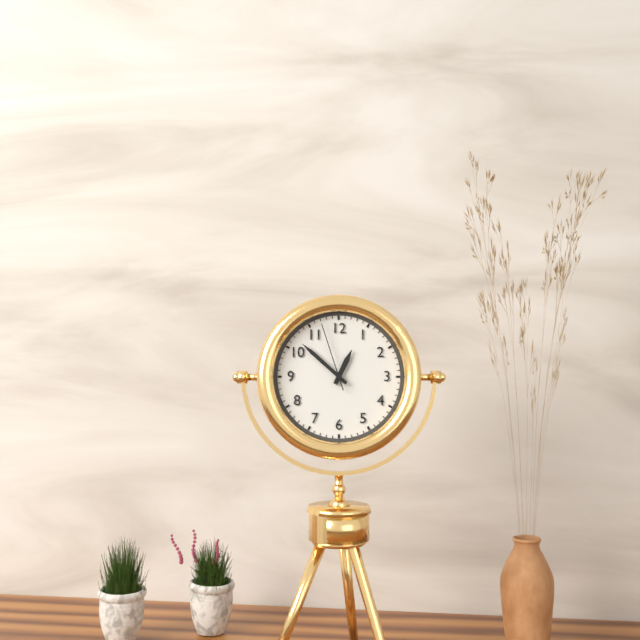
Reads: **12:52:57**
